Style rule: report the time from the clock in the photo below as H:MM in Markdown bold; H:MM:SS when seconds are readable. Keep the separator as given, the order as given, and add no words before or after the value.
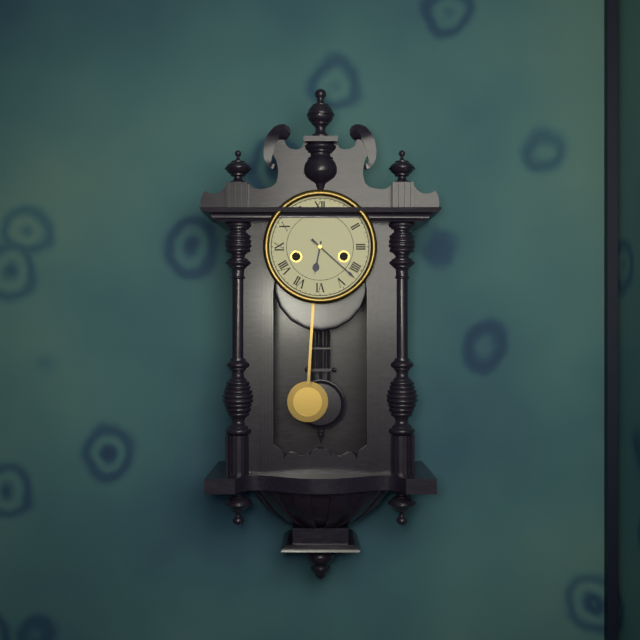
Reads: **6:22**
